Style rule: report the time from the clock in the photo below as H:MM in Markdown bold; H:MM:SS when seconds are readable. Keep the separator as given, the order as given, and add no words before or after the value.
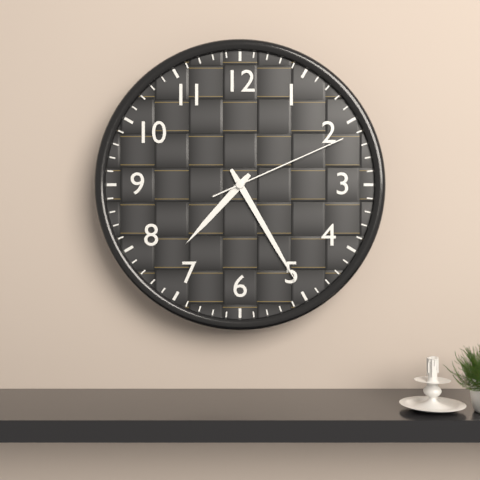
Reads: **7:25:11**
